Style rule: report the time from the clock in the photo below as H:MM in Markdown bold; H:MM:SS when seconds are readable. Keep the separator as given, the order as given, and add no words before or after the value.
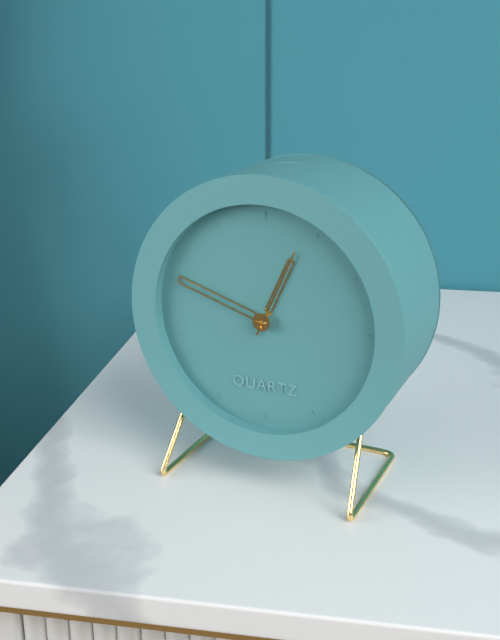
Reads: **12:48:04**
